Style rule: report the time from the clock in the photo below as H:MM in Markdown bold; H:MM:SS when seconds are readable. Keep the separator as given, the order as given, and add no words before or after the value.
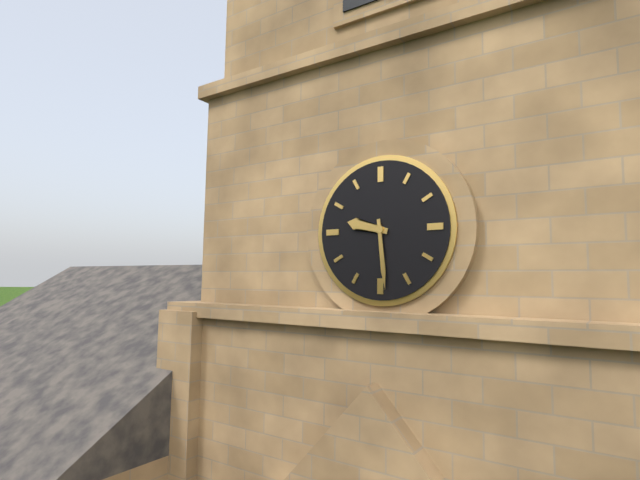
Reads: **9:29**
